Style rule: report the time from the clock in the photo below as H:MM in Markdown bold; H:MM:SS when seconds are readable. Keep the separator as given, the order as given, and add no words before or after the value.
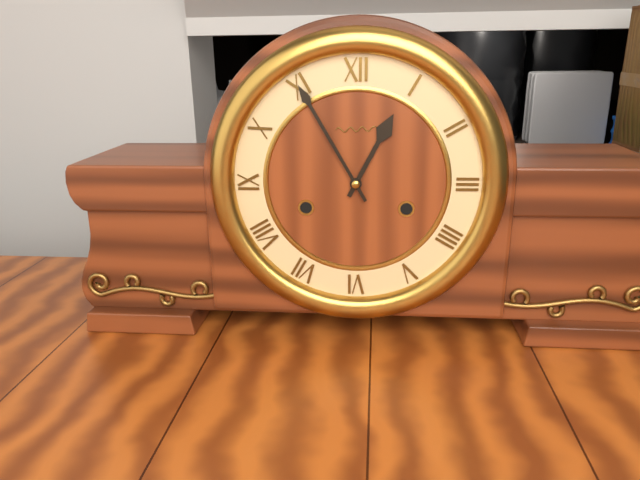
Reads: **12:55**
